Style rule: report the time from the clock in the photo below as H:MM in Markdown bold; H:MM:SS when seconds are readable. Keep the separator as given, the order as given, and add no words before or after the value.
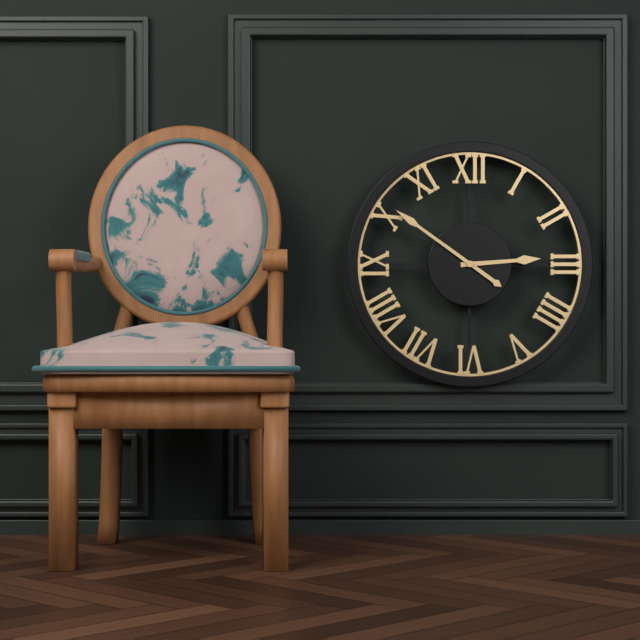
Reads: **2:51**
